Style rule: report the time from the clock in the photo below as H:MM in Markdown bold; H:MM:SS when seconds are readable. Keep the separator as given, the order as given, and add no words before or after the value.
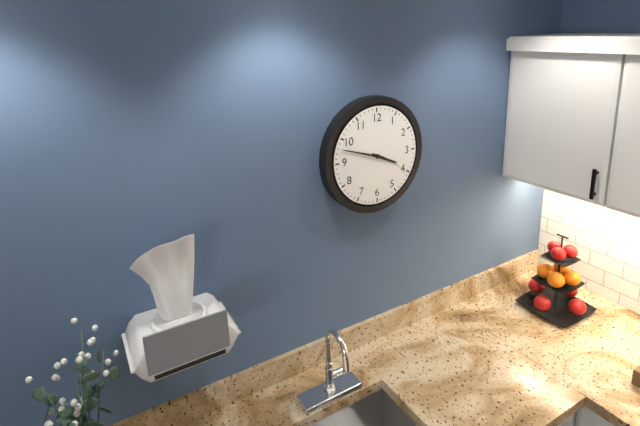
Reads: **3:48**
